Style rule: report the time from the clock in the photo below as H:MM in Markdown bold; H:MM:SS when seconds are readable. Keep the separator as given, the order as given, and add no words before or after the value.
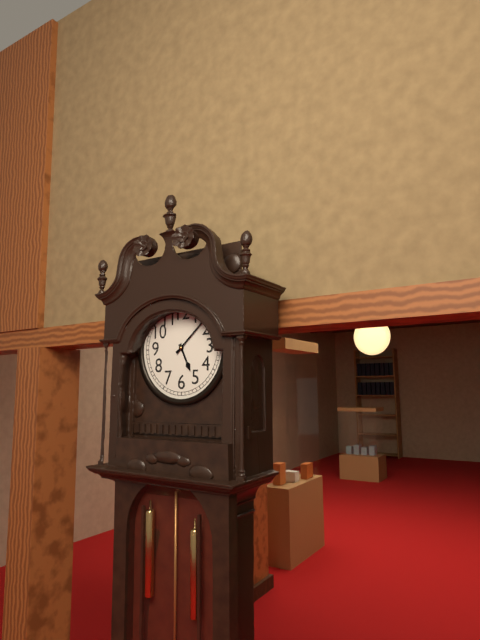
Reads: **5:08**
